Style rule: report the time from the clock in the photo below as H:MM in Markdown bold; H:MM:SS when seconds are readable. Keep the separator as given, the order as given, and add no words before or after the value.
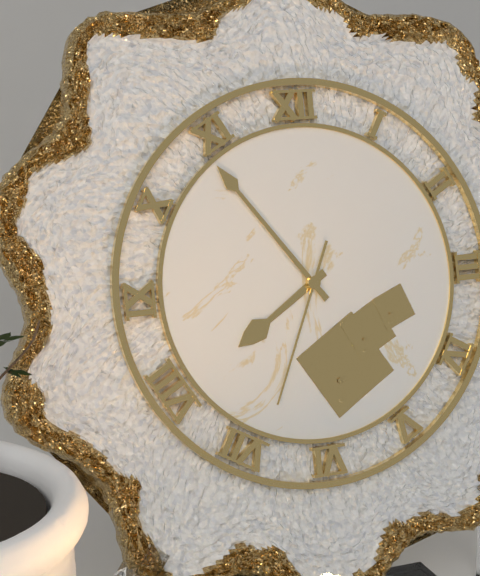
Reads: **7:54:34**
